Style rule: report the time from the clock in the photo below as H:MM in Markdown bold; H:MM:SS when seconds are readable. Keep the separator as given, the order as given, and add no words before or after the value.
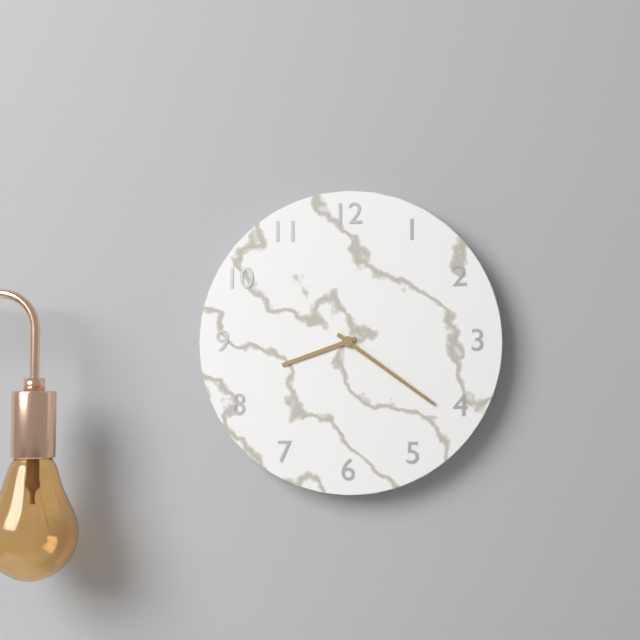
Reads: **8:21**
